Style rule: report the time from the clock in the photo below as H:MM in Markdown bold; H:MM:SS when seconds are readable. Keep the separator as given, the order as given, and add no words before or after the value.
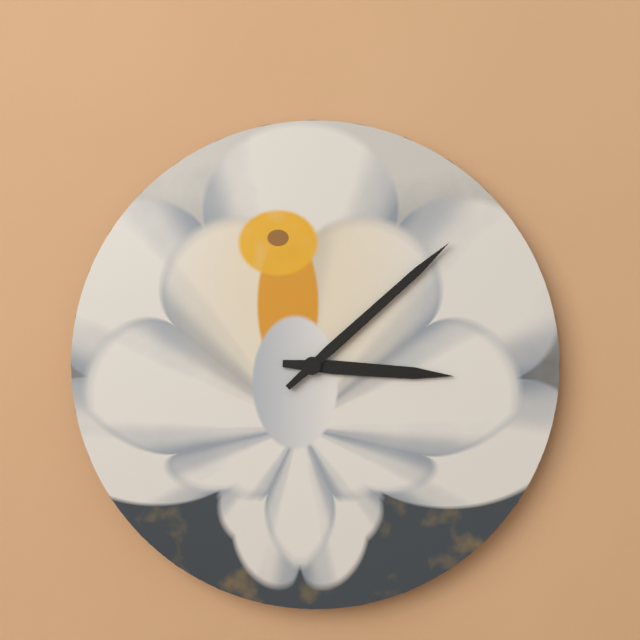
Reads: **3:08**
